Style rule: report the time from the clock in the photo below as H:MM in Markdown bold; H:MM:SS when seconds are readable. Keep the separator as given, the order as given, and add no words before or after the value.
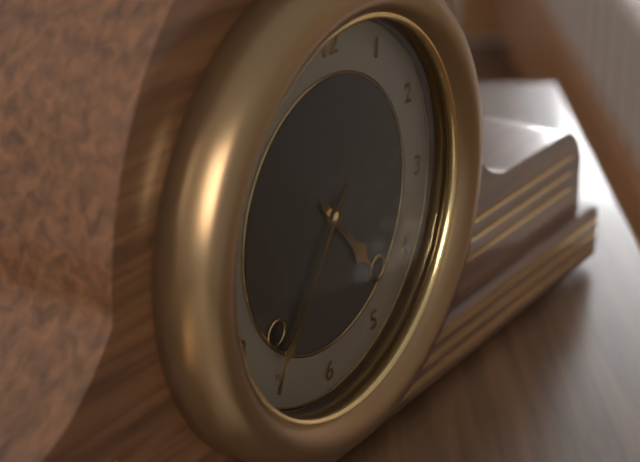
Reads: **4:36**
